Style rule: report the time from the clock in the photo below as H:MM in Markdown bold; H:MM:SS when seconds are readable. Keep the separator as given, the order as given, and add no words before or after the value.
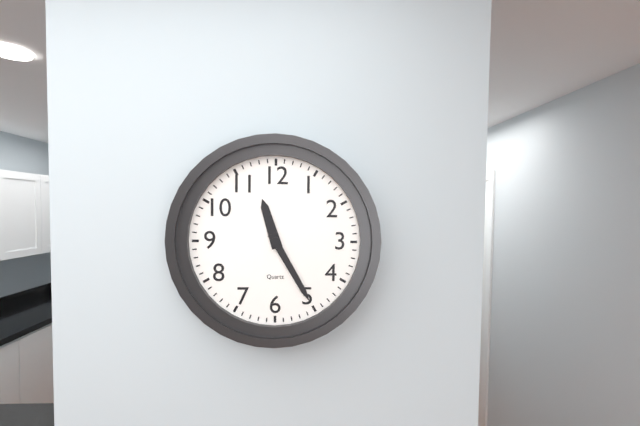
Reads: **11:25**
